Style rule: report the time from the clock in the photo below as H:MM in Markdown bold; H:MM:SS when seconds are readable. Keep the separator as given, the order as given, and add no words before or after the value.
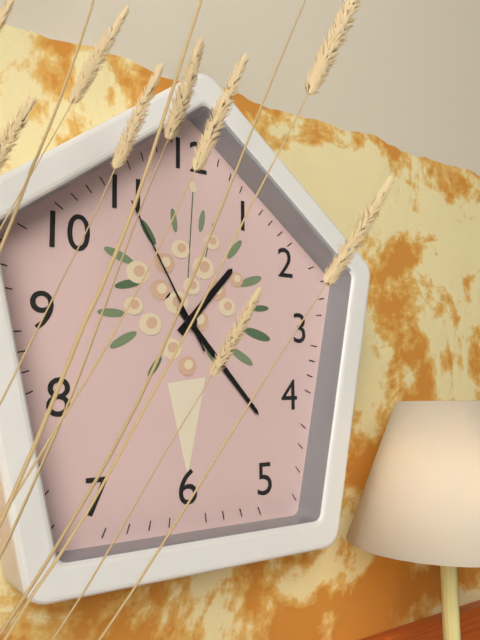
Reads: **1:23:55**
